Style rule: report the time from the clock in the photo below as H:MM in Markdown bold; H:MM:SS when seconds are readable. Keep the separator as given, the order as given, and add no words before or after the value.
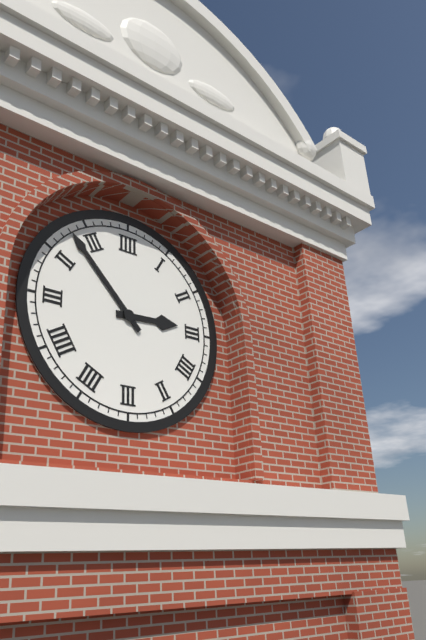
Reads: **2:53**
